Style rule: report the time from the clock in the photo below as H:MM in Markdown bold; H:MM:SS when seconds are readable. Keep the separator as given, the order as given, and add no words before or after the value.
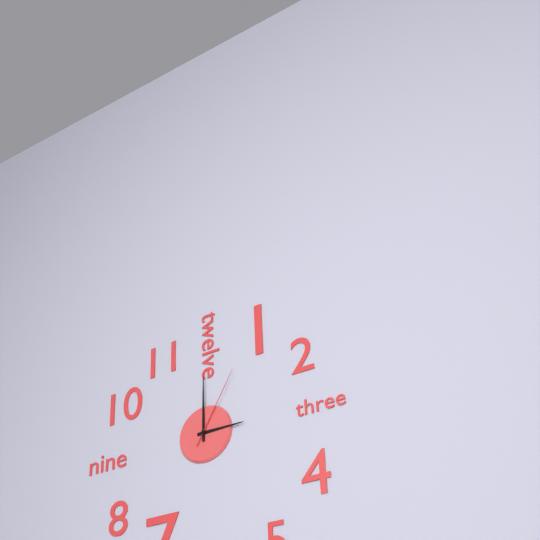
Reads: **3:00:05**
